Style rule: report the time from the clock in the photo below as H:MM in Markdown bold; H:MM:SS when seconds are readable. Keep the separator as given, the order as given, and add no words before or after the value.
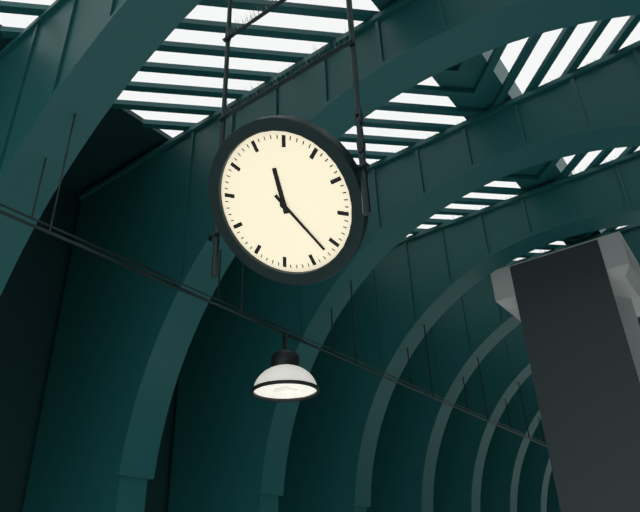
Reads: **12:27**
